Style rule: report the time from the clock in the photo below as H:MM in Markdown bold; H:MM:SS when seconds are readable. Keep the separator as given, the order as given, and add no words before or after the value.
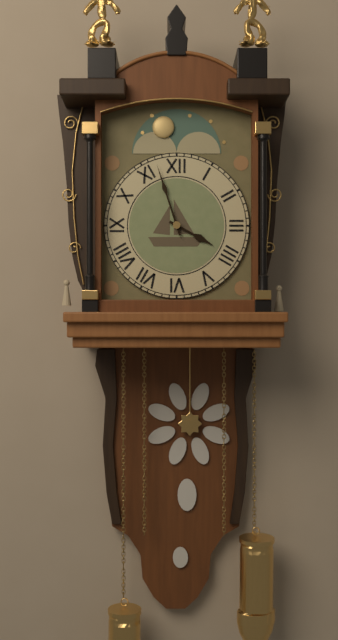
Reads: **3:57**
